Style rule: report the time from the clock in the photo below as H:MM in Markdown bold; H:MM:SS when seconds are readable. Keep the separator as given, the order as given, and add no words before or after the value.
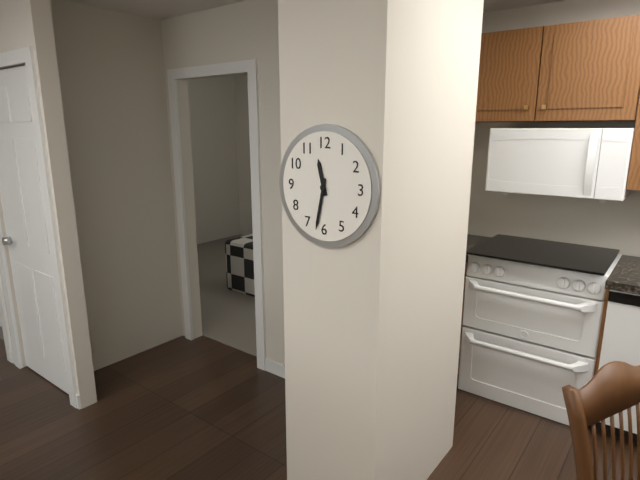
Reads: **11:32**
